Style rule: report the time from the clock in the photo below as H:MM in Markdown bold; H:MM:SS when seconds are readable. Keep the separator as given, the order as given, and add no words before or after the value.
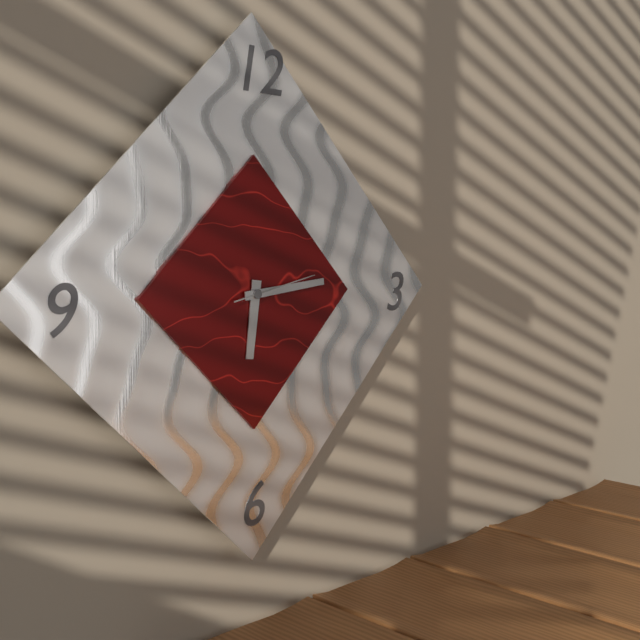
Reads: **6:14:13**
